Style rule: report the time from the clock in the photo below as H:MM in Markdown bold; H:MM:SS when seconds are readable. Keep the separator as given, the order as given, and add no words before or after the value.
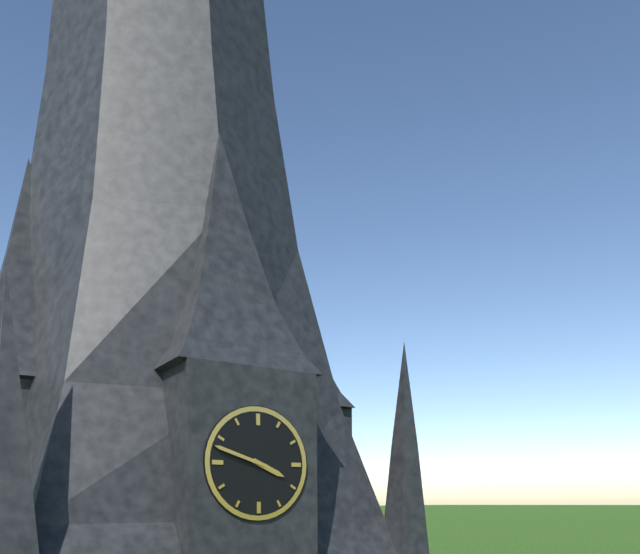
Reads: **3:48**
